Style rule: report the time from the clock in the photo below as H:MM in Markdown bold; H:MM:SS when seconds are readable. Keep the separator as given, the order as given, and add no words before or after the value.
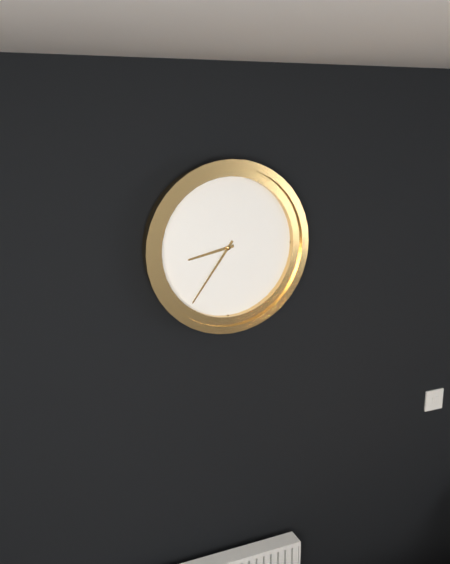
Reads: **8:36**
